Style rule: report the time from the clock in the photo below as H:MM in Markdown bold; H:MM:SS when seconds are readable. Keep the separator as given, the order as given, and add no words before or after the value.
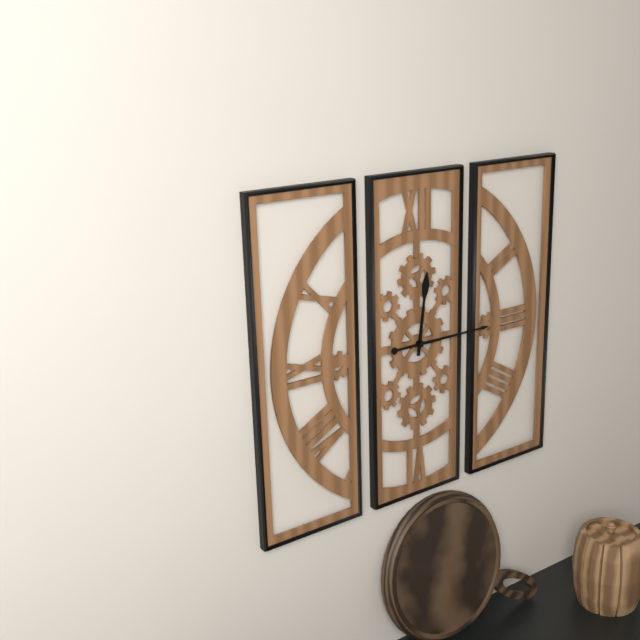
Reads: **12:15**
